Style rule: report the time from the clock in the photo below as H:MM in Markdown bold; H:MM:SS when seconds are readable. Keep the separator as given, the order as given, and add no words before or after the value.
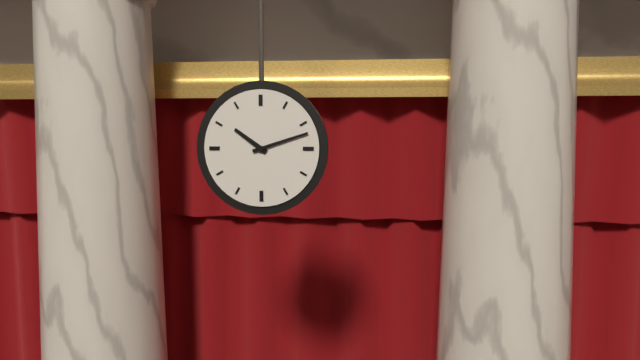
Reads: **10:12**
